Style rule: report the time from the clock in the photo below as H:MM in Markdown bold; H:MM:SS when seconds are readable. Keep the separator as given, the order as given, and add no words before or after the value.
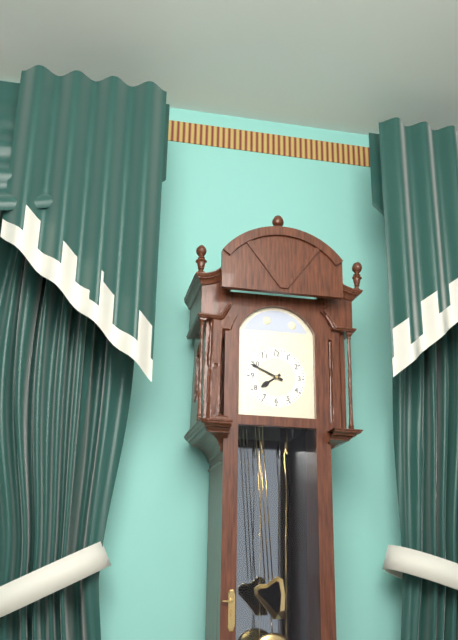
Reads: **7:49**
